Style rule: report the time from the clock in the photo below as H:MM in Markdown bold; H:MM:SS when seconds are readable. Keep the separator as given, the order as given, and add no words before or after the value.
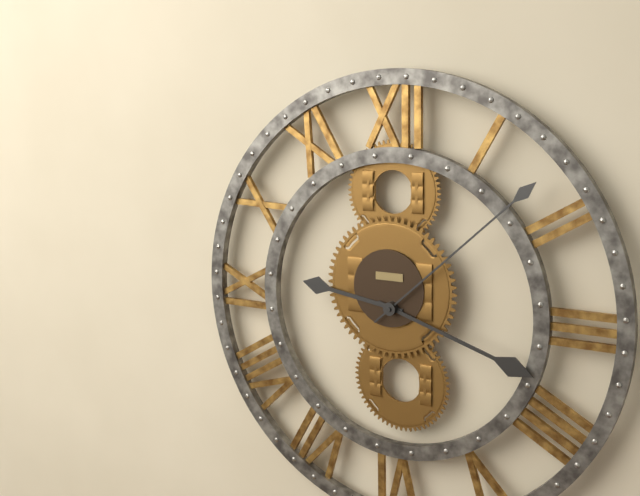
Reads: **9:18:08**
